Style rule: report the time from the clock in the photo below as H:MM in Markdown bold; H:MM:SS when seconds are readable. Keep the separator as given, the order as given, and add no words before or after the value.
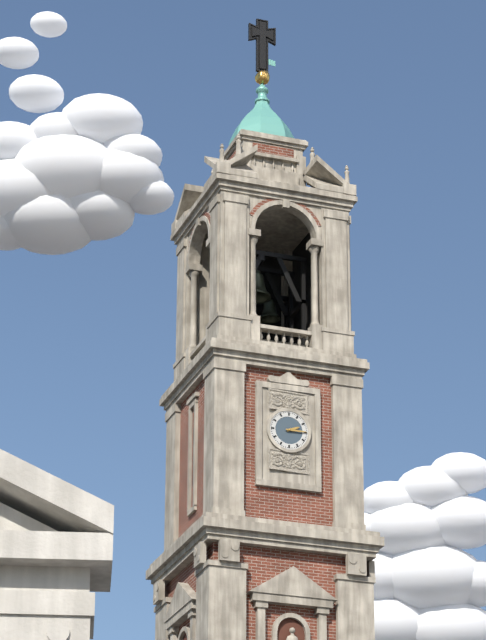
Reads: **2:15**
